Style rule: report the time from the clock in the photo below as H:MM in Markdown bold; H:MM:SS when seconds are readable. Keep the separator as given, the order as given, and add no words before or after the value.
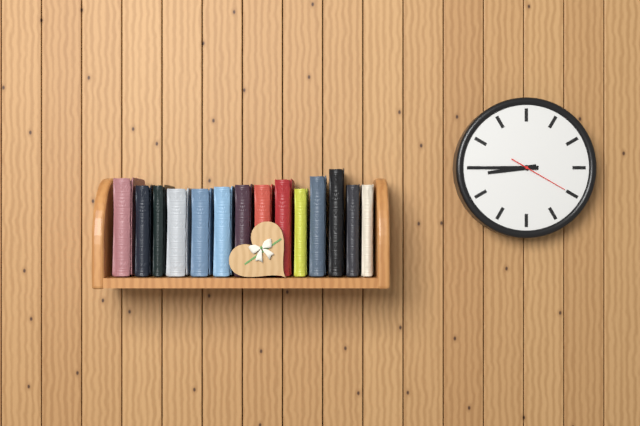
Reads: **8:45:20**
